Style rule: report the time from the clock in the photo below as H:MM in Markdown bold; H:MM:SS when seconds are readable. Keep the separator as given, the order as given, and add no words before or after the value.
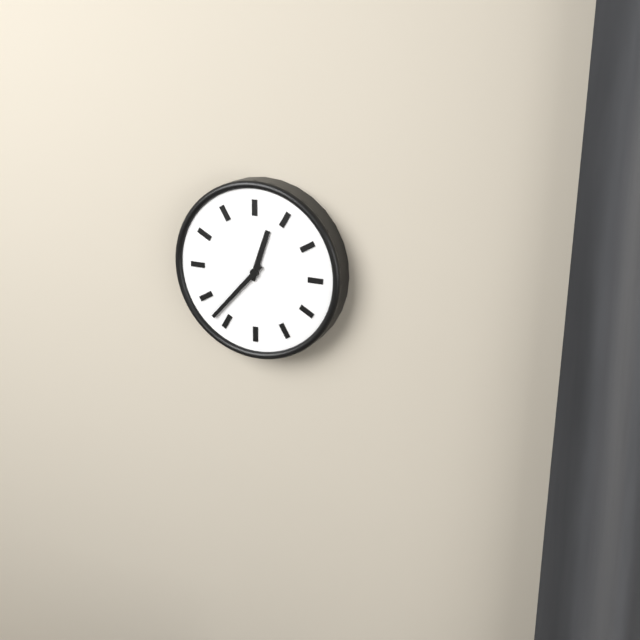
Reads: **12:37**
